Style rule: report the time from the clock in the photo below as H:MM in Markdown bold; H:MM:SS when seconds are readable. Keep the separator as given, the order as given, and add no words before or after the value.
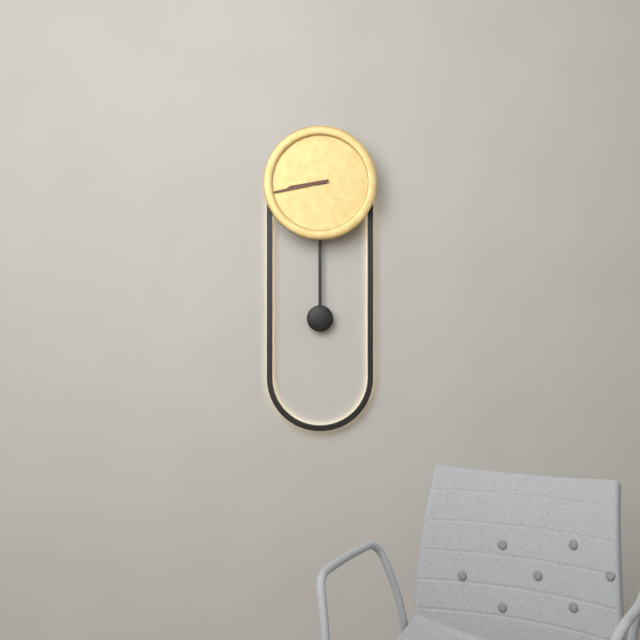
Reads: **8:43**
